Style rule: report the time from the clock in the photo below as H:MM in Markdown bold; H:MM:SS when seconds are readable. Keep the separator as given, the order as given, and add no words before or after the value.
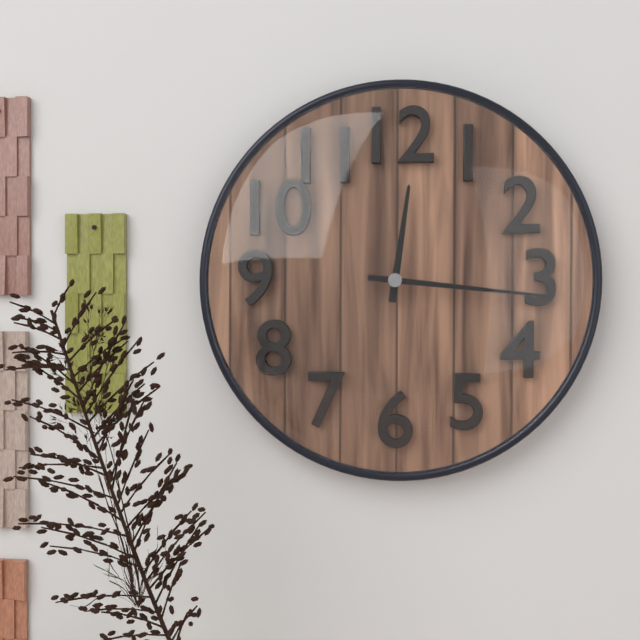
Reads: **12:16**
